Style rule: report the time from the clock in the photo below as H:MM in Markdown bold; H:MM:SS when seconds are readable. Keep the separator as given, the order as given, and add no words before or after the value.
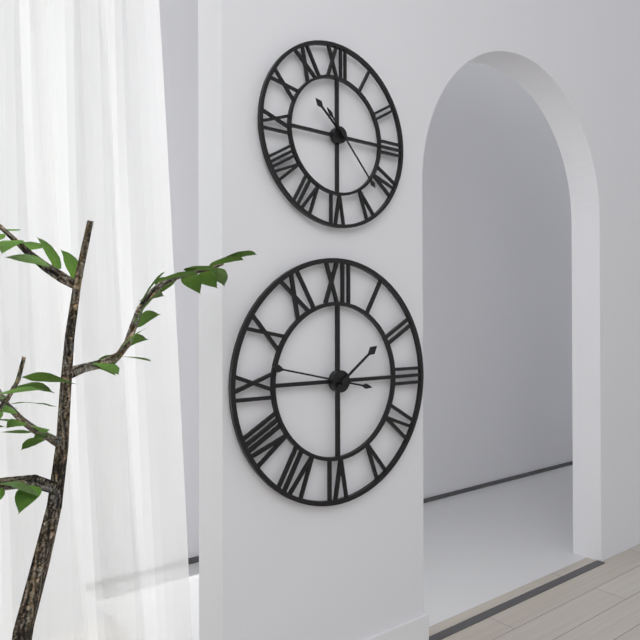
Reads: **1:47**
